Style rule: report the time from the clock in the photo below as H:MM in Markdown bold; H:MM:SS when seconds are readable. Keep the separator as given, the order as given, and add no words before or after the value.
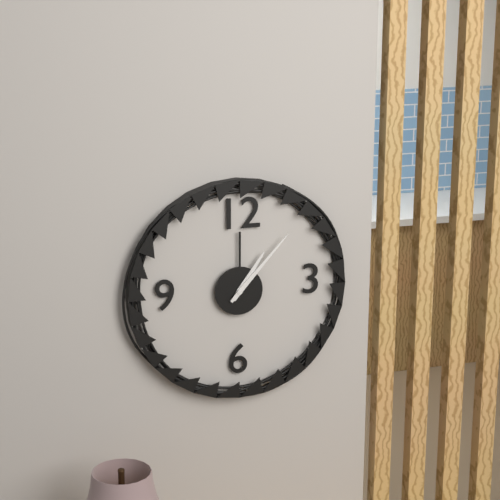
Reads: **1:07**
